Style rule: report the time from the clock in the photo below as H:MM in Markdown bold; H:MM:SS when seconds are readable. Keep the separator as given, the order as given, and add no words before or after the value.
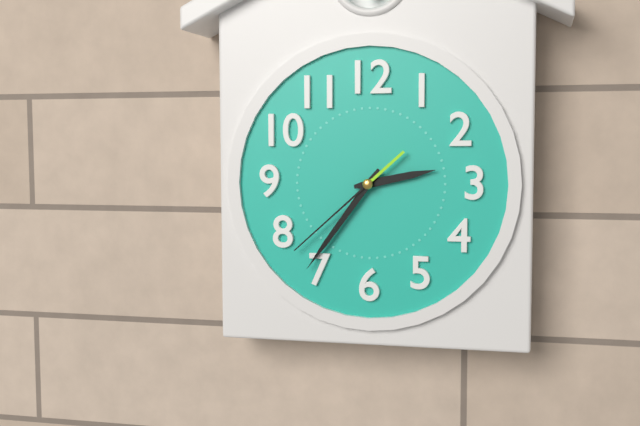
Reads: **2:36:38**
